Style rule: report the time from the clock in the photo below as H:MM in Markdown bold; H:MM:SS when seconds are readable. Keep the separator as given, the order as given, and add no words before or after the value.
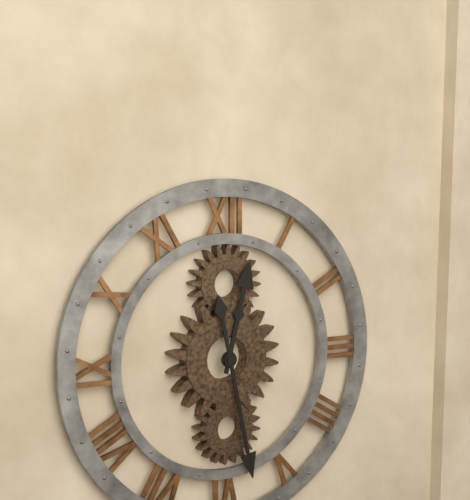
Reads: **12:28**
